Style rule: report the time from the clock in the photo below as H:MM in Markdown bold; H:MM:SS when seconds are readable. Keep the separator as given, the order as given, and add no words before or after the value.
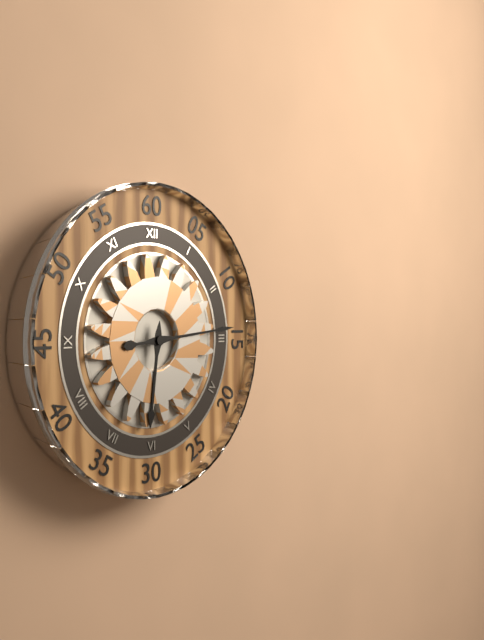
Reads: **6:14**
